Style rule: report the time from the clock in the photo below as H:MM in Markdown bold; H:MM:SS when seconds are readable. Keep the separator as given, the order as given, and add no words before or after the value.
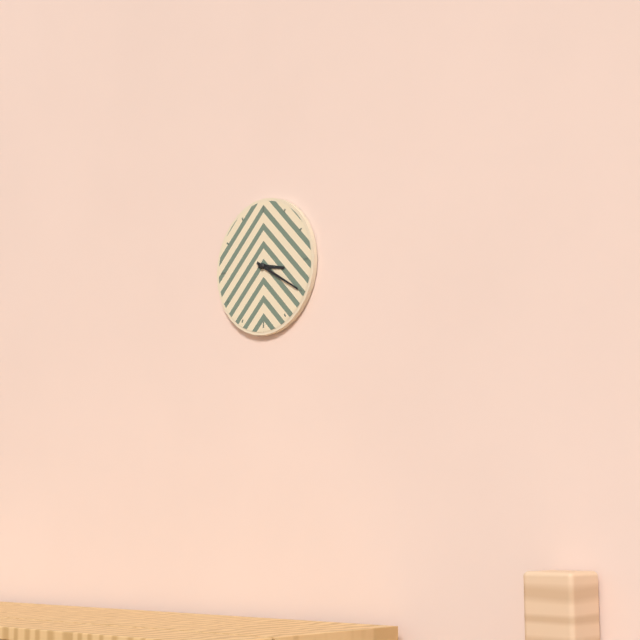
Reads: **3:20**
